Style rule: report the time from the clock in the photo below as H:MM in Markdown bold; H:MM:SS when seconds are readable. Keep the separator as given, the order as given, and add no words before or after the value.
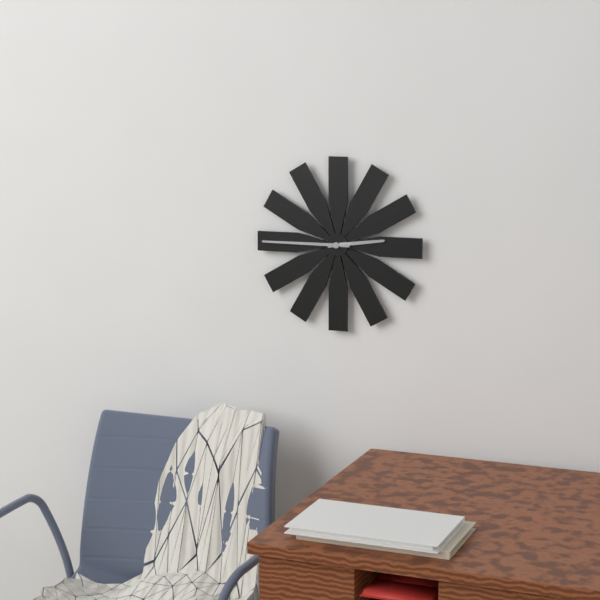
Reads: **2:45**
